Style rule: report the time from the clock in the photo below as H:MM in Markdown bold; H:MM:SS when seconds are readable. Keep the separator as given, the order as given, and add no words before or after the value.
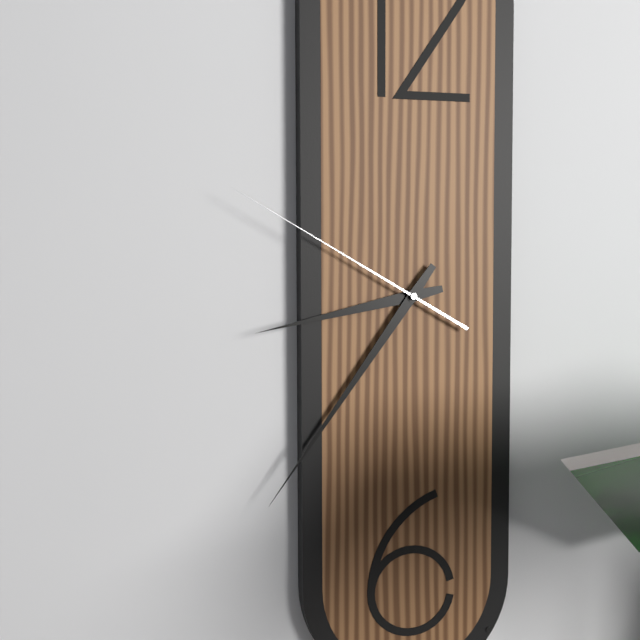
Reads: **8:36:50**
